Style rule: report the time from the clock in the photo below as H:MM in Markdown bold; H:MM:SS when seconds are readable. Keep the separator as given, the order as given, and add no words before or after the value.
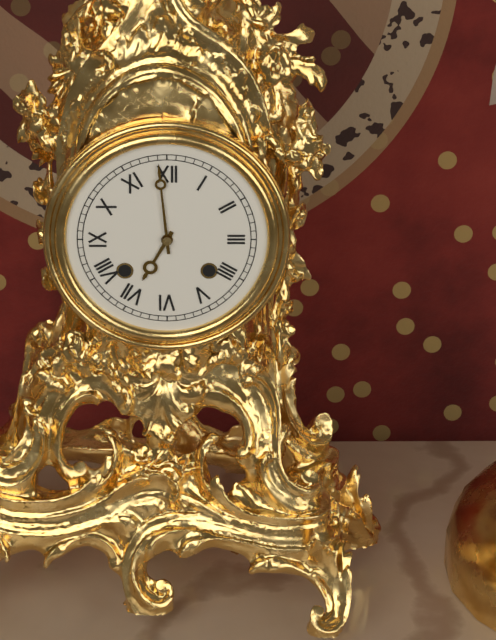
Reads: **6:59**
